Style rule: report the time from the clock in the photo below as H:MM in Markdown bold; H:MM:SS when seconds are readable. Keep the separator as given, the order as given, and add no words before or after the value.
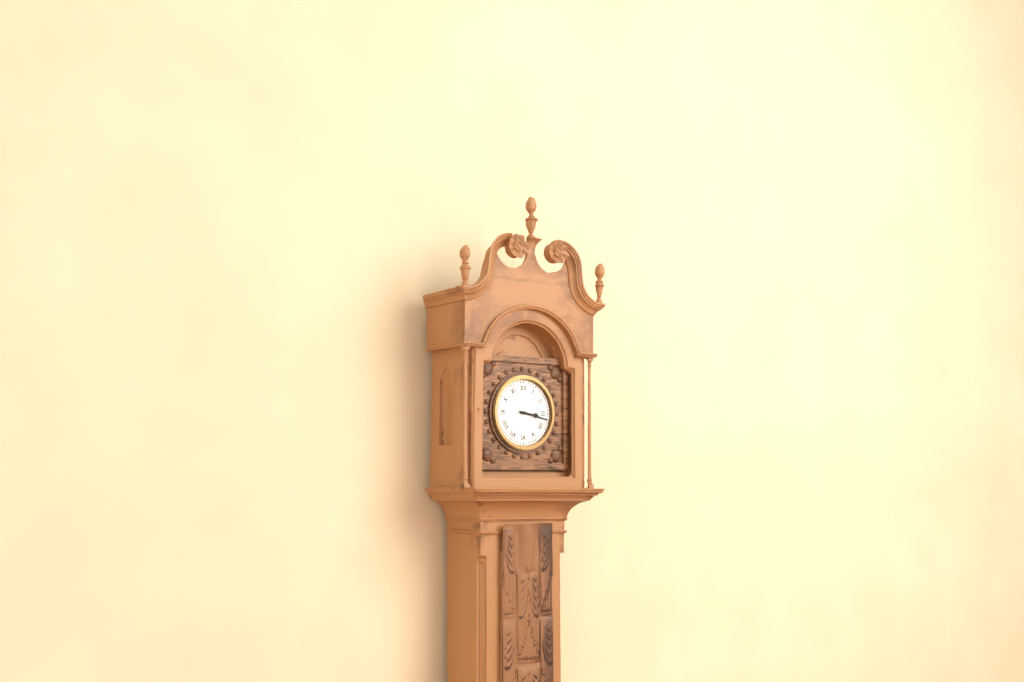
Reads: **3:17**
